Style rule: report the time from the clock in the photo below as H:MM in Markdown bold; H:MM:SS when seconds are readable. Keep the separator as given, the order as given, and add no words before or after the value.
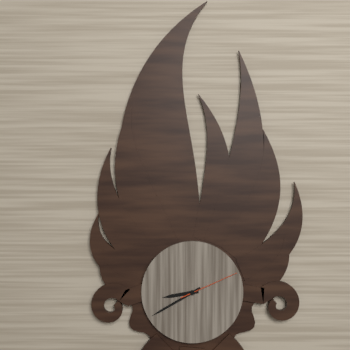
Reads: **8:40:11**
